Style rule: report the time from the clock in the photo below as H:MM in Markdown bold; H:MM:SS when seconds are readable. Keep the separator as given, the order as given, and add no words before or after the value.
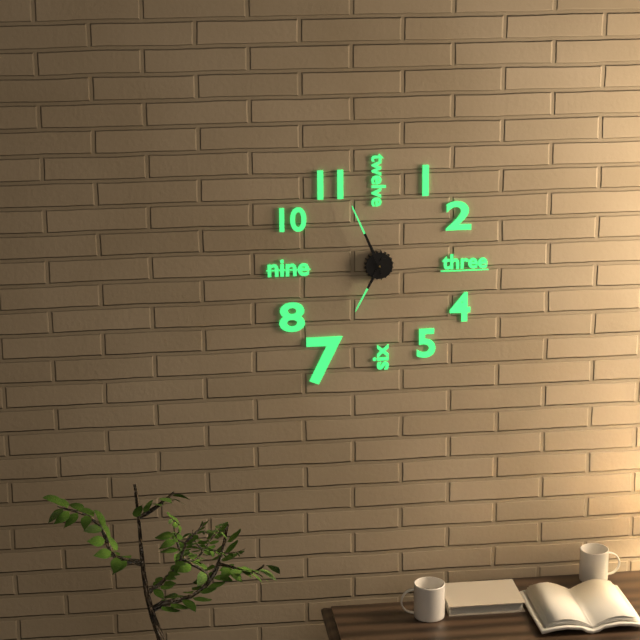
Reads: **6:56**
